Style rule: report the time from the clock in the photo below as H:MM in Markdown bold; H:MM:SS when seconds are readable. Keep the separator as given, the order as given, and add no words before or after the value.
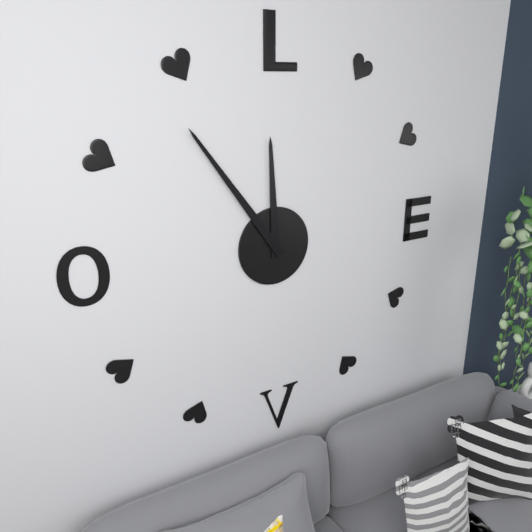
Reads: **11:54**
